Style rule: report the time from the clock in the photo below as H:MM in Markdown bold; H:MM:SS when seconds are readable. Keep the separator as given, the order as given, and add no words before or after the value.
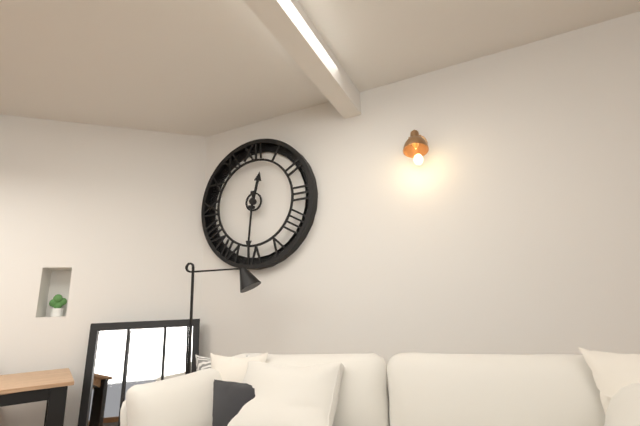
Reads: **12:31**
